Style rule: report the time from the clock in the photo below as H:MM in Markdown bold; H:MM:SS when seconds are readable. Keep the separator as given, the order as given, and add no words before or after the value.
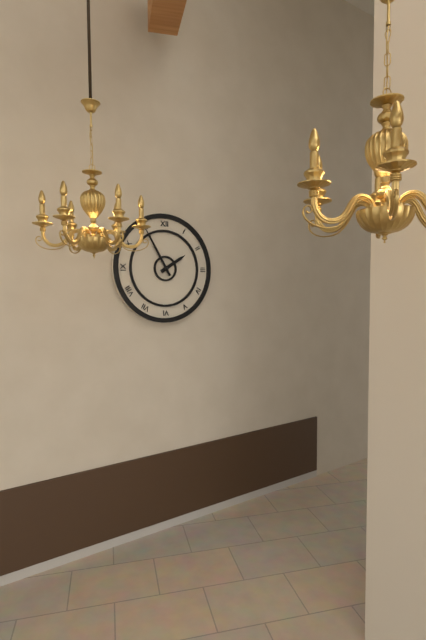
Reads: **1:55**
